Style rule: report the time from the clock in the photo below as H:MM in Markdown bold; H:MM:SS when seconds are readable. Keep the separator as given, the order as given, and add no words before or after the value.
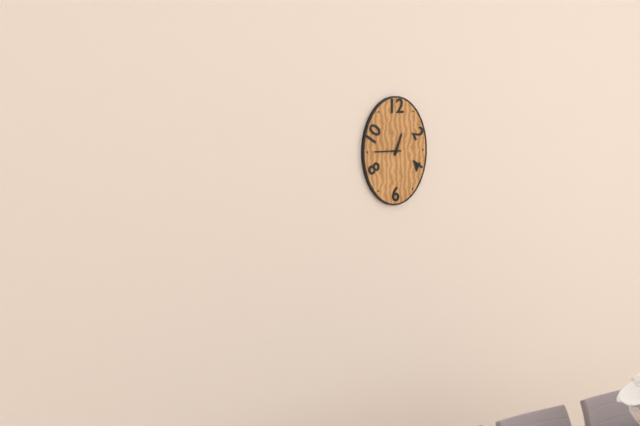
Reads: **12:45**
